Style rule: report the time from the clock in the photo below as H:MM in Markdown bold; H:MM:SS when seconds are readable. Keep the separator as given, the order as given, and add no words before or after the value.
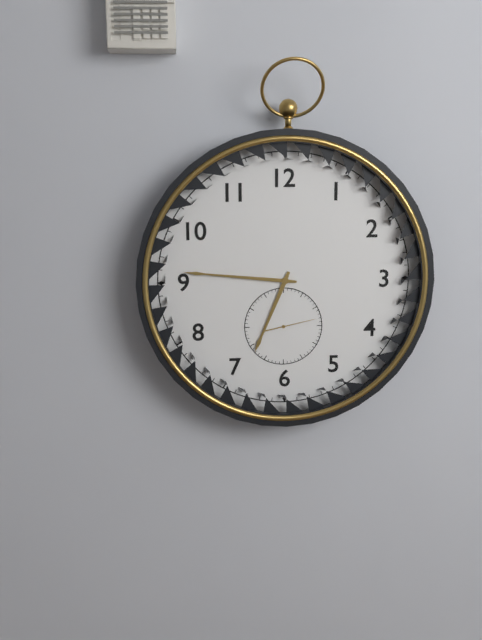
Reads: **6:46**
